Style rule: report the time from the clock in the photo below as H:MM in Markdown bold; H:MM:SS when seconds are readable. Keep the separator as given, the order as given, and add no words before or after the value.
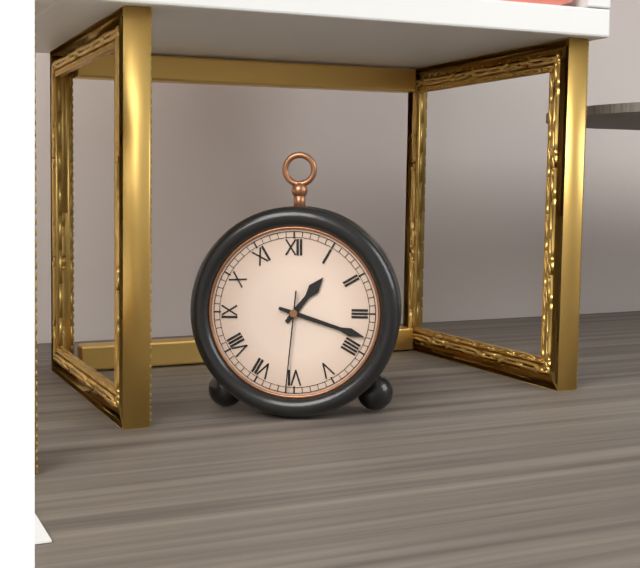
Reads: **1:18:31**
